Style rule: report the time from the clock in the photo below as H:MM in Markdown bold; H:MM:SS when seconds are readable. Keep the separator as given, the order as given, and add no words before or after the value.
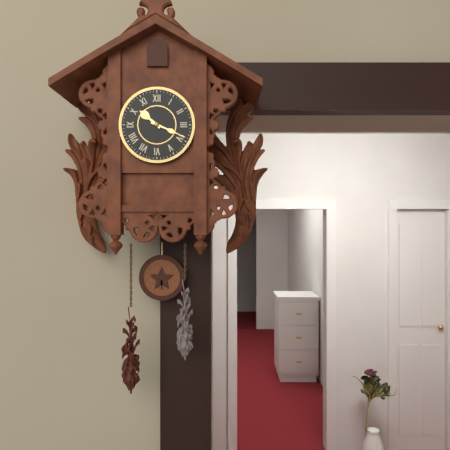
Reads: **10:19**
